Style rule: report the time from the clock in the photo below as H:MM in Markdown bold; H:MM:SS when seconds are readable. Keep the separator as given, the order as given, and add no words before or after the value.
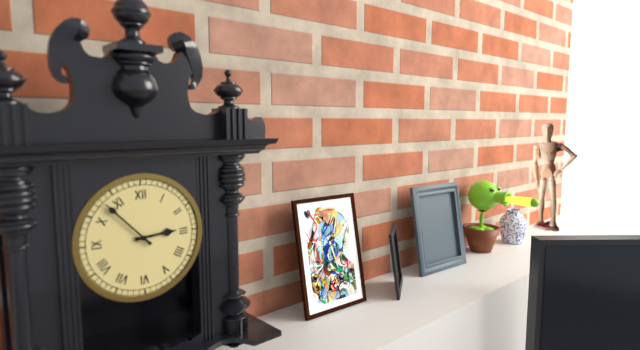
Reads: **2:53**
